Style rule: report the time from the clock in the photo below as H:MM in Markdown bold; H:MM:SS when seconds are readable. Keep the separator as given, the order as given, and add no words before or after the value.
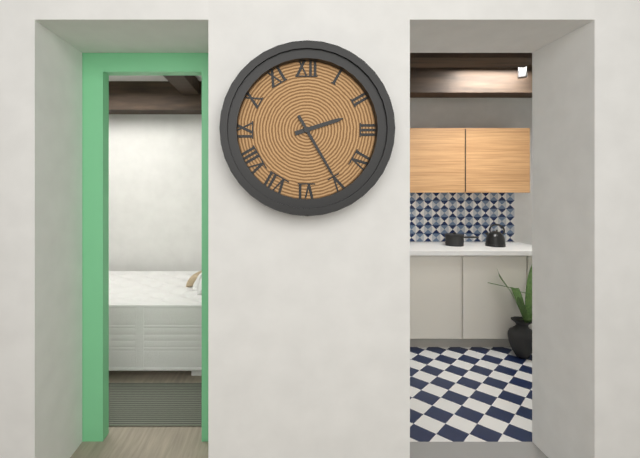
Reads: **2:25**
